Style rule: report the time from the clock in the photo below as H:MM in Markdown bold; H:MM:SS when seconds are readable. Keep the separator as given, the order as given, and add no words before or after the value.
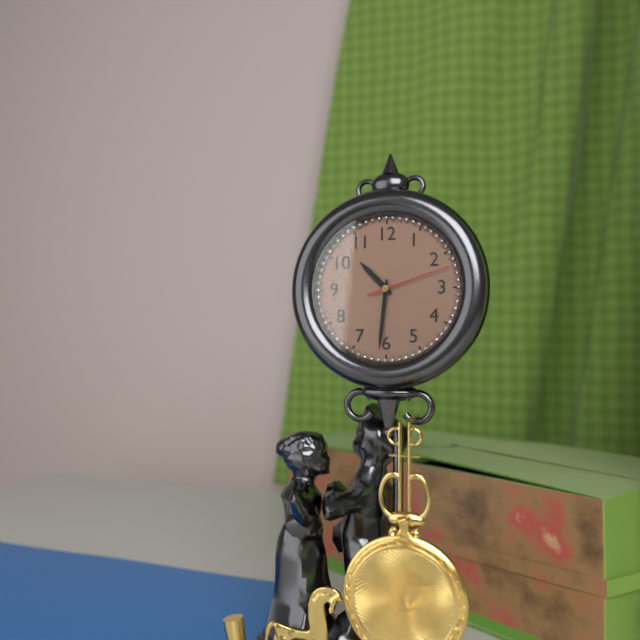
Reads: **10:31:12**
